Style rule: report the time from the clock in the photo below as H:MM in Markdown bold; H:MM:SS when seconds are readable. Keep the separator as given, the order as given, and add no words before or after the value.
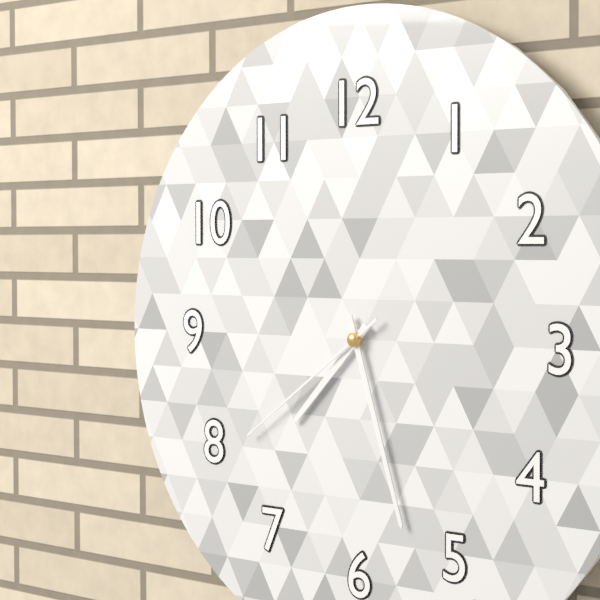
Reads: **7:27:39**
